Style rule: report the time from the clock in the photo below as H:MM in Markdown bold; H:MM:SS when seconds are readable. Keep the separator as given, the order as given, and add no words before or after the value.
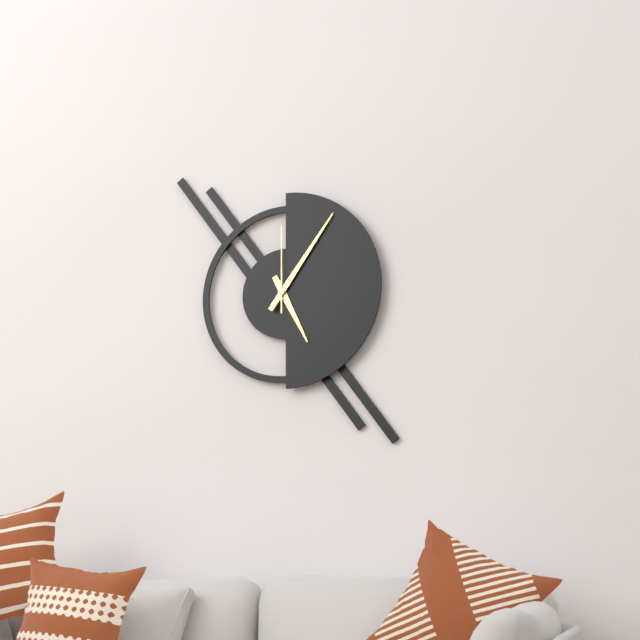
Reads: **5:06:00**
